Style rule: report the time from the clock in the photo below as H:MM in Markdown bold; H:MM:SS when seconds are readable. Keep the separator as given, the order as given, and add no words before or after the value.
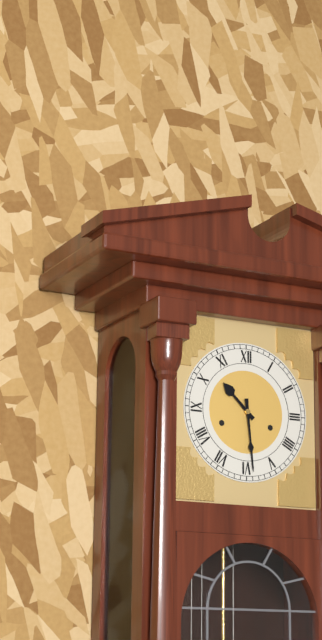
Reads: **10:29**
